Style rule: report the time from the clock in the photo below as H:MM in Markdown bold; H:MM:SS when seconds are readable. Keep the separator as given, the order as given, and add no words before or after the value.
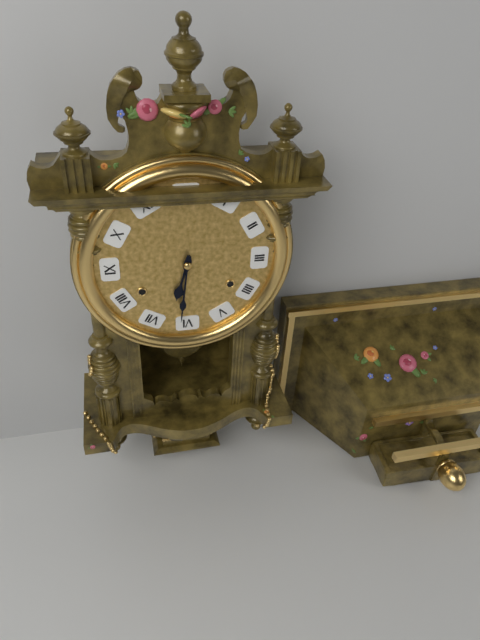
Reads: **6:31**
